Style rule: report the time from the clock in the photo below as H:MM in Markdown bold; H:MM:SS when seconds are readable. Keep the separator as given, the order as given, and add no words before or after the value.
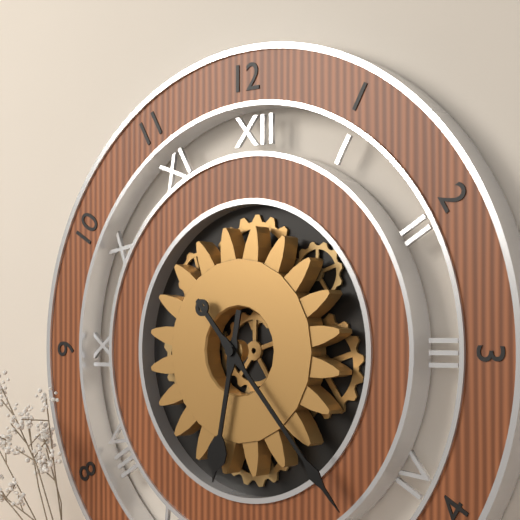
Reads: **6:23**
